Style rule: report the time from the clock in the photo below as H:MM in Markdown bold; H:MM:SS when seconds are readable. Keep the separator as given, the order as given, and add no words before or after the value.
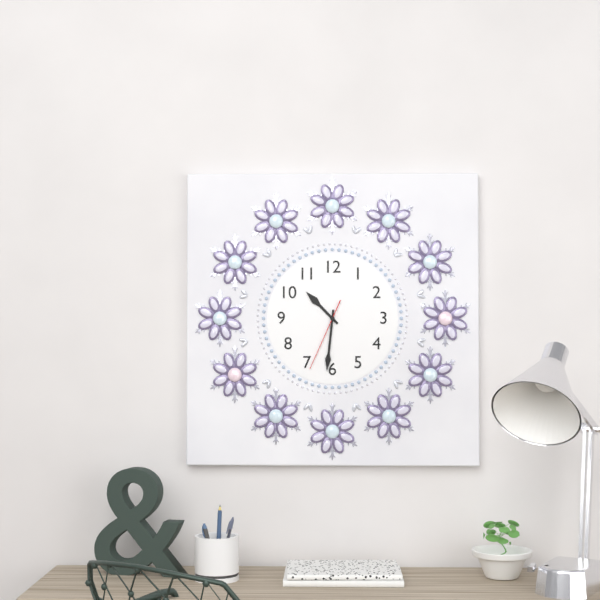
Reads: **10:31:34**
